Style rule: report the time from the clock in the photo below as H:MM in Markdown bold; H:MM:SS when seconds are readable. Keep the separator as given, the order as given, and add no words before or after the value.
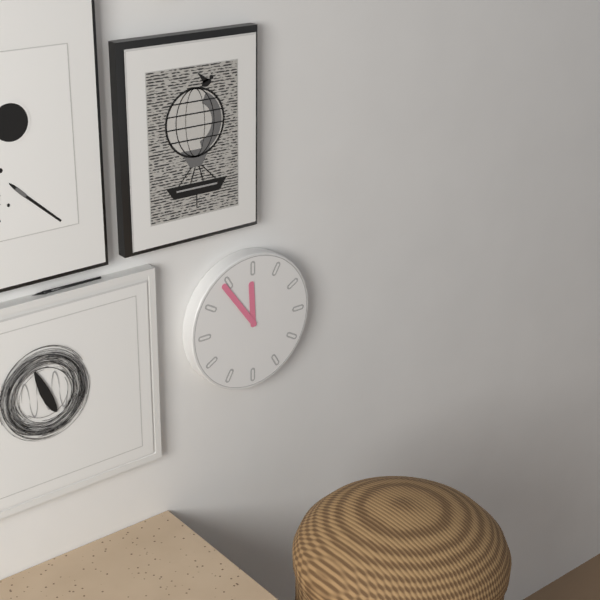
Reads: **11:54**
